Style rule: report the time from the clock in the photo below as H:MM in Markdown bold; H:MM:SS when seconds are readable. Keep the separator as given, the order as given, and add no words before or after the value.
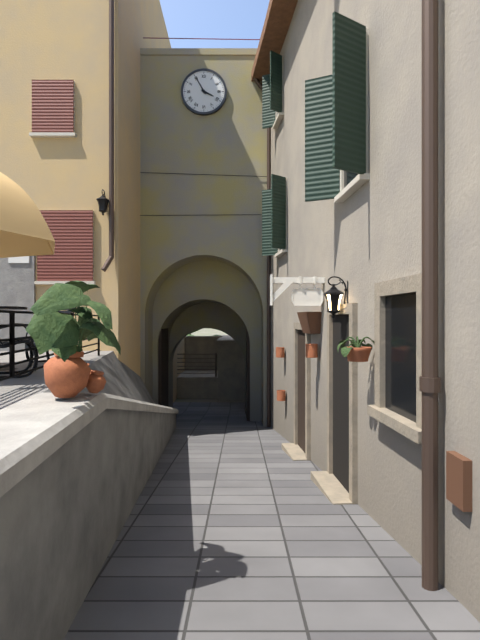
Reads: **3:55**
